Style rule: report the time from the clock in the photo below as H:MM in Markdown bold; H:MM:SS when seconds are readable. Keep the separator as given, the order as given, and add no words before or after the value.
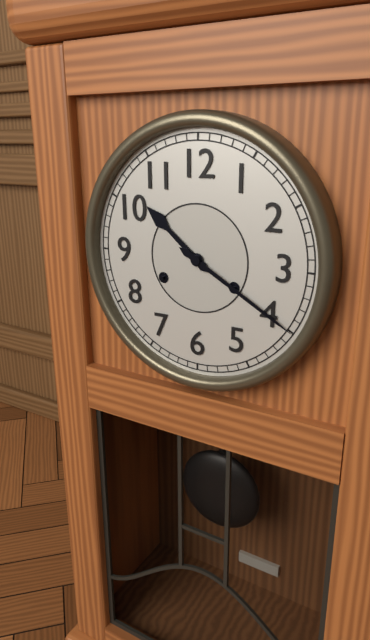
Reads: **10:20**
